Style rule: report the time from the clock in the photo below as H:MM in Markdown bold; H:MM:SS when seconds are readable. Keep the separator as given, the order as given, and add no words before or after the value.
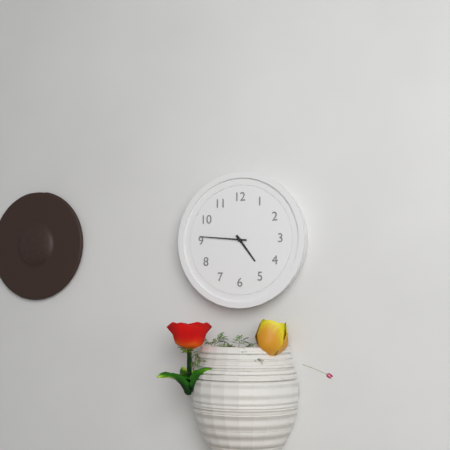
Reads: **4:46**
